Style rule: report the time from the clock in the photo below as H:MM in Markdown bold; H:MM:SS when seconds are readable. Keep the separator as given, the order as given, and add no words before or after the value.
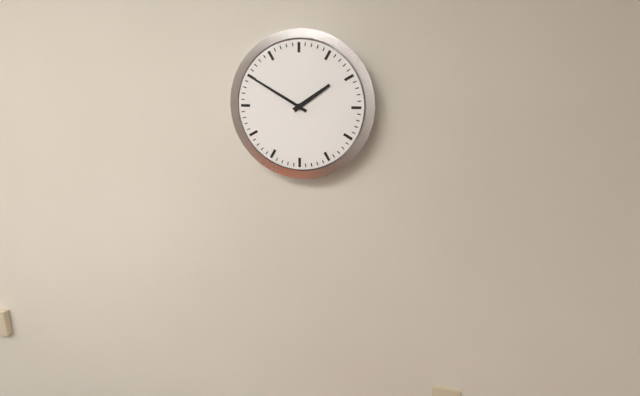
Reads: **1:50**
